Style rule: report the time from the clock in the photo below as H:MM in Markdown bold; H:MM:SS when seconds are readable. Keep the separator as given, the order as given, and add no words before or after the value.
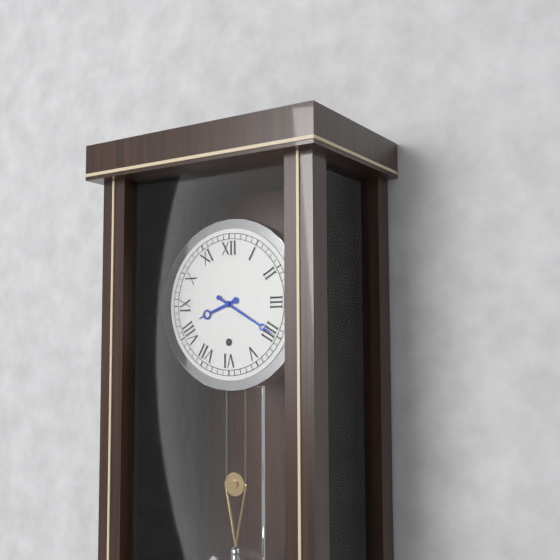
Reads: **8:20**
